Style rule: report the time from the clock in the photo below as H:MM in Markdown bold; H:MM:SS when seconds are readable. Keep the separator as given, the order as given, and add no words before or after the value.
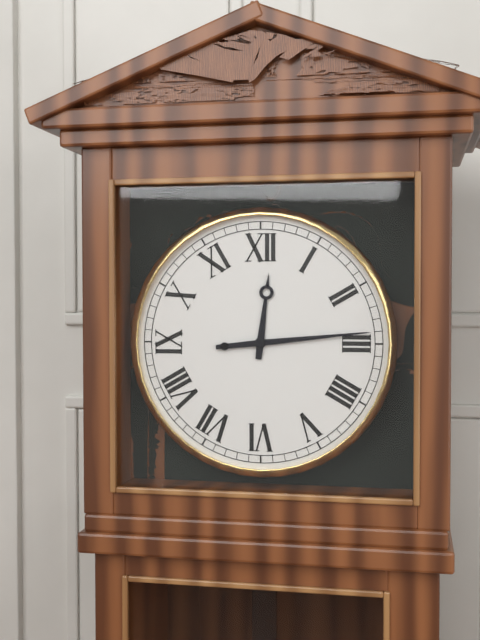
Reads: **12:14**
